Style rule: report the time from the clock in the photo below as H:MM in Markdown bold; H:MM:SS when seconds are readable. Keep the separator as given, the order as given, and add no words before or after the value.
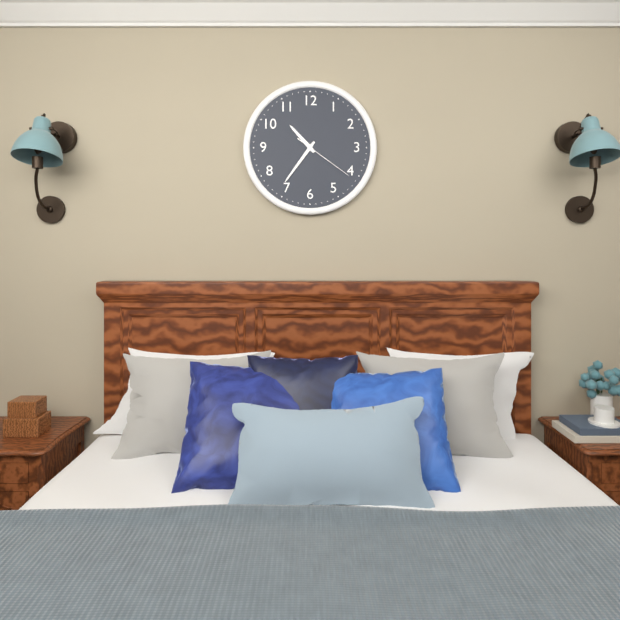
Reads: **10:36:21**
